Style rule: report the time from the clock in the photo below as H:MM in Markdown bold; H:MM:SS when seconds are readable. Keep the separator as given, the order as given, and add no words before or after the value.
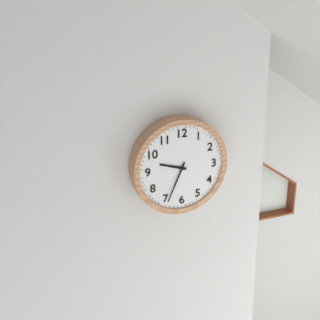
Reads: **9:34**
